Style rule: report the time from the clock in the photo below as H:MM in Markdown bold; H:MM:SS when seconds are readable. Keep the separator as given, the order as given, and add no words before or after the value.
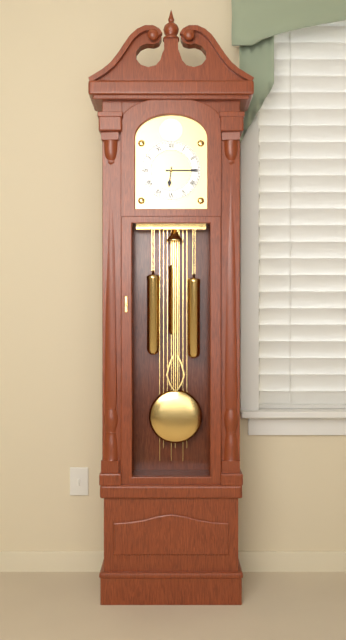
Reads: **6:15**
